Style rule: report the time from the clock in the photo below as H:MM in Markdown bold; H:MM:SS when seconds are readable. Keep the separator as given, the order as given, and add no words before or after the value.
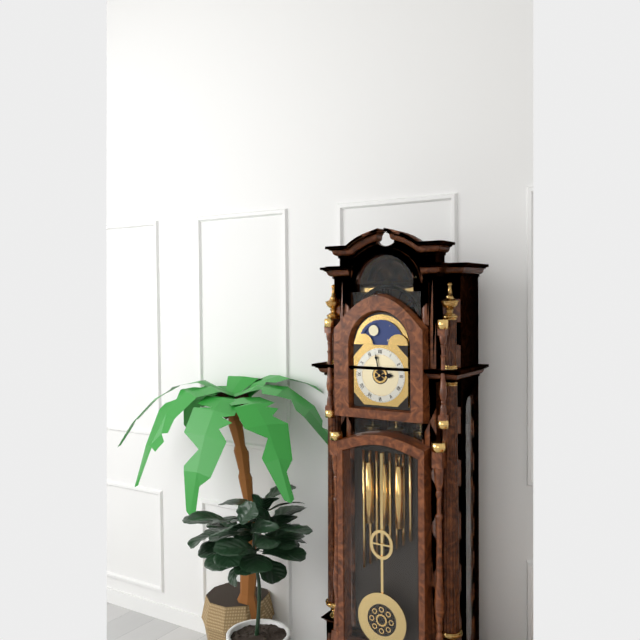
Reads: **2:58**
